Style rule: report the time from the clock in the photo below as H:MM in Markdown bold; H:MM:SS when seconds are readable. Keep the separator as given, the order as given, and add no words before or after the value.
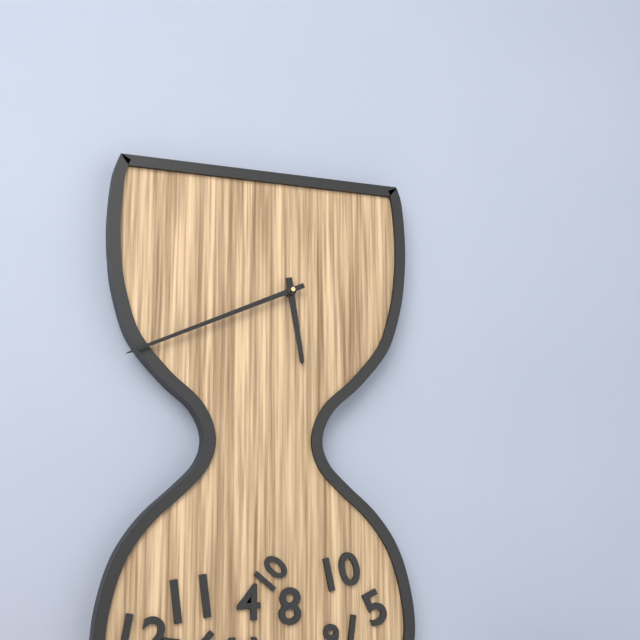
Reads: **5:41**
